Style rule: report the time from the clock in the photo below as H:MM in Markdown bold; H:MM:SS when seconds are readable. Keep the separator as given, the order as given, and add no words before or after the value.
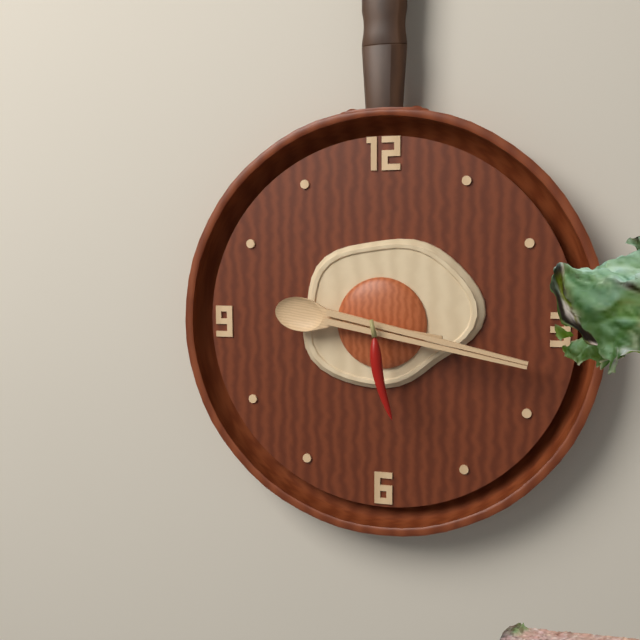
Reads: **9:17:28**
